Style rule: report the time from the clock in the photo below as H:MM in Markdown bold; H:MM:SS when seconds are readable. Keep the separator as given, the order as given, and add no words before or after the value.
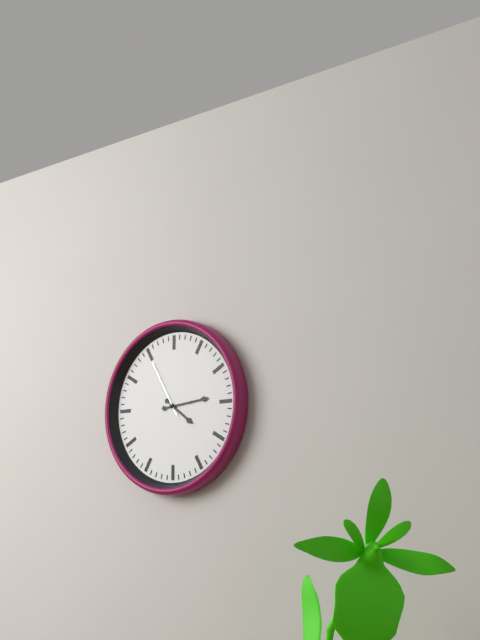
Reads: **4:14:55**
